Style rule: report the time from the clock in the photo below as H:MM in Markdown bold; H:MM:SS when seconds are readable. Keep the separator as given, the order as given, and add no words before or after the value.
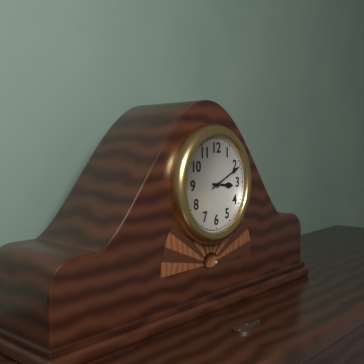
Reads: **3:11**
